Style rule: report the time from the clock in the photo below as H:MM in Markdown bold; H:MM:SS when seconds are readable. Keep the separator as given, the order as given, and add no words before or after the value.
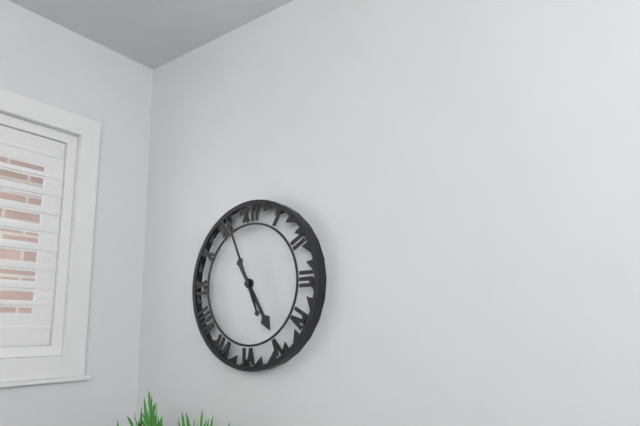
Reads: **4:56**
